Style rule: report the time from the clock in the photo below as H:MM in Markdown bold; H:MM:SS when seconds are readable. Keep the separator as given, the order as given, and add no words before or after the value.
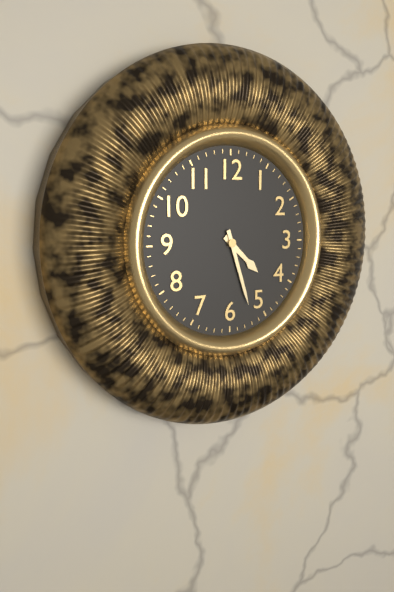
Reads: **4:27**
